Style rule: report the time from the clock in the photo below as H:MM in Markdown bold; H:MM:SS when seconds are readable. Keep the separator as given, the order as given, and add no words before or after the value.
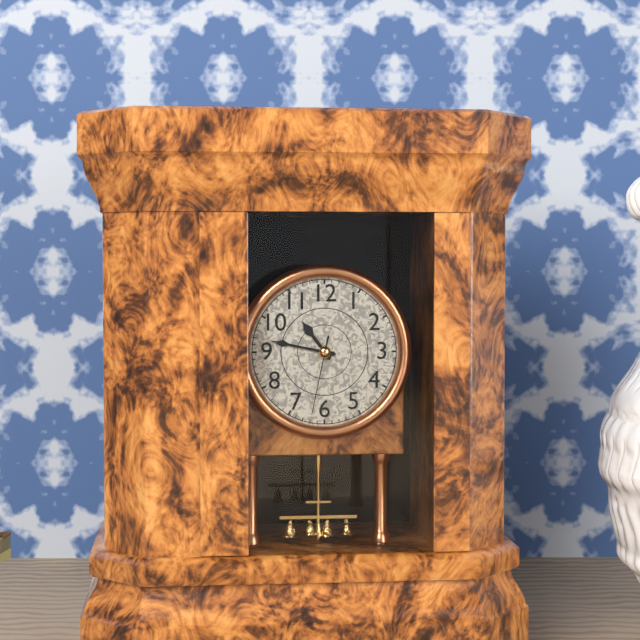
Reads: **10:47:32**
